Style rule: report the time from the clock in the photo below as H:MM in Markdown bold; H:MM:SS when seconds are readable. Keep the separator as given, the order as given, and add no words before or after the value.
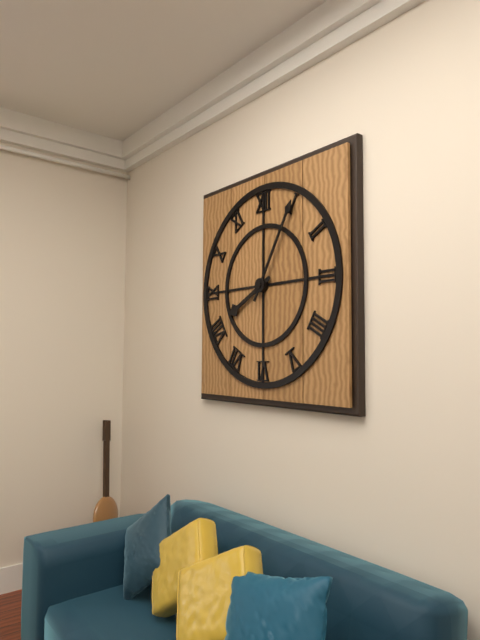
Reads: **8:05**
